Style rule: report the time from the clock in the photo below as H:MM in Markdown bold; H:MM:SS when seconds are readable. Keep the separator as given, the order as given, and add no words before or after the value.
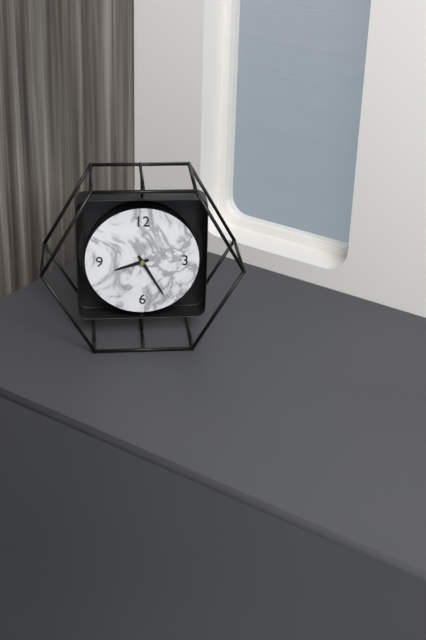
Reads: **8:25**
